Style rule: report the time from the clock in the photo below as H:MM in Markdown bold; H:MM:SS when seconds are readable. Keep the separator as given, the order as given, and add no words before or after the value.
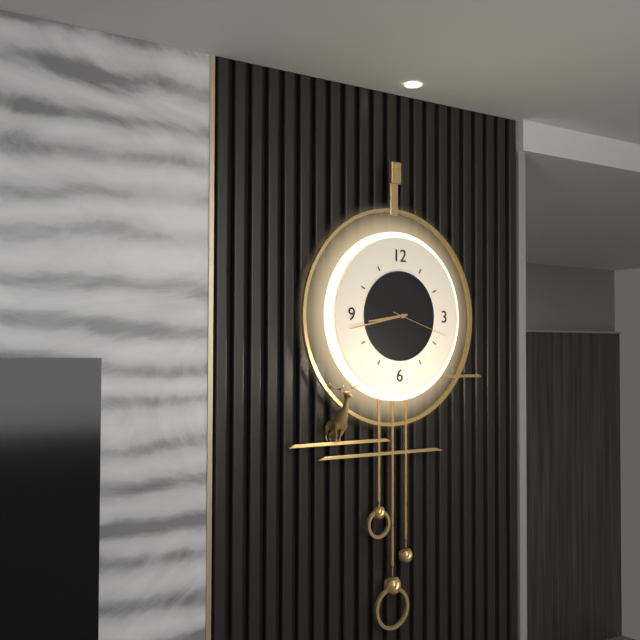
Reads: **8:43:18**
